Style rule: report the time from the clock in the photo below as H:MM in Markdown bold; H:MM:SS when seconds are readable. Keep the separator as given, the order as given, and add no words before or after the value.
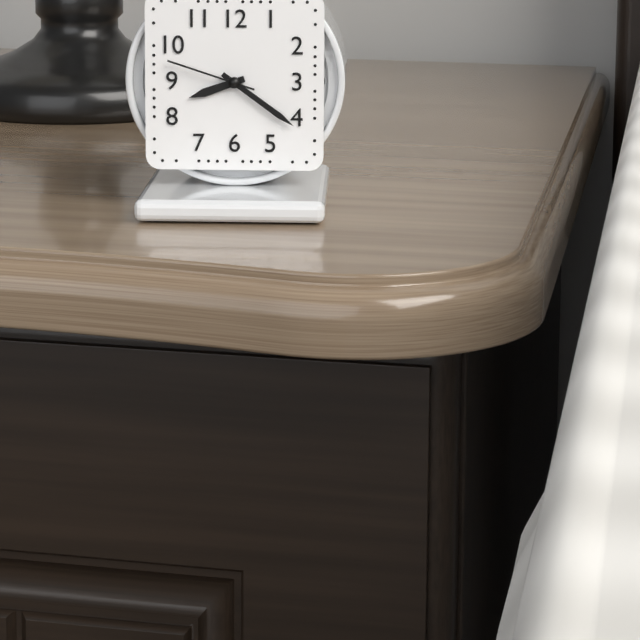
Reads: **8:21:48**
